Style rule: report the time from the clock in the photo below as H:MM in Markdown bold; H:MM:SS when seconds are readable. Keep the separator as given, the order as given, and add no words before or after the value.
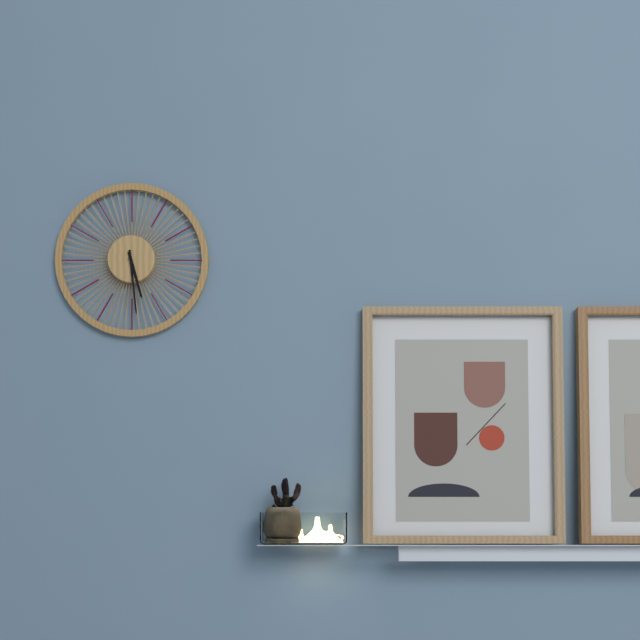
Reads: **5:29**
